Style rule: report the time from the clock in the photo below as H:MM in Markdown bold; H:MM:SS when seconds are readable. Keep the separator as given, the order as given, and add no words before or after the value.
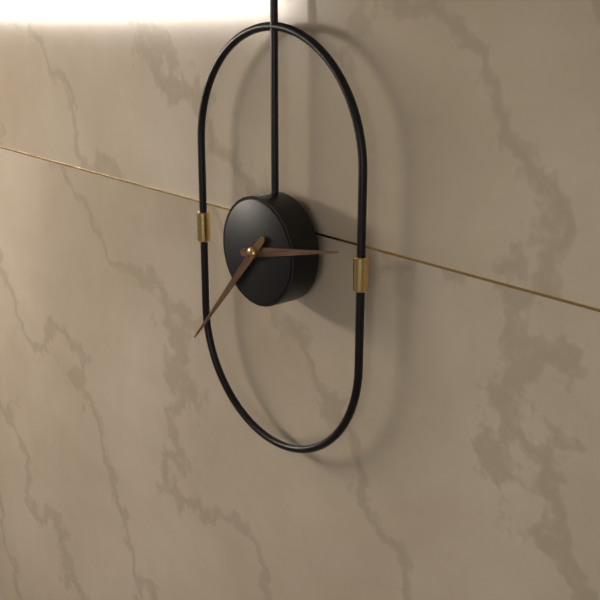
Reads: **2:37**
